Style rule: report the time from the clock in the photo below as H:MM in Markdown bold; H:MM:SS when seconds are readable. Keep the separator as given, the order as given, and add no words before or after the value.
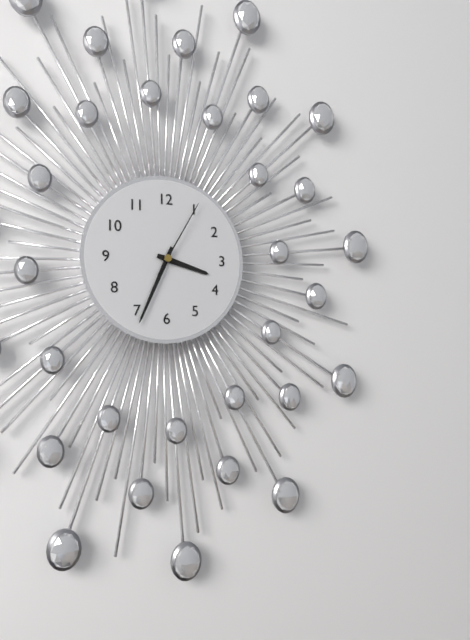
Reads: **3:34:05**
